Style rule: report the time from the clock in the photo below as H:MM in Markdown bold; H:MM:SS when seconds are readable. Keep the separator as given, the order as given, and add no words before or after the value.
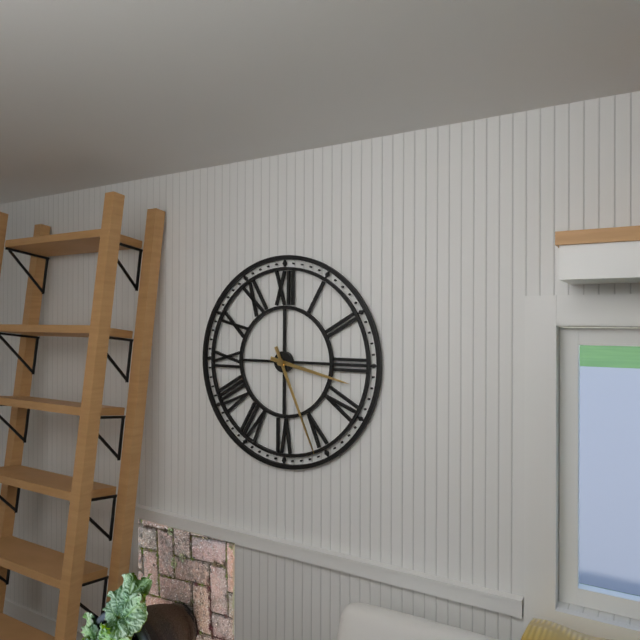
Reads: **3:26**
